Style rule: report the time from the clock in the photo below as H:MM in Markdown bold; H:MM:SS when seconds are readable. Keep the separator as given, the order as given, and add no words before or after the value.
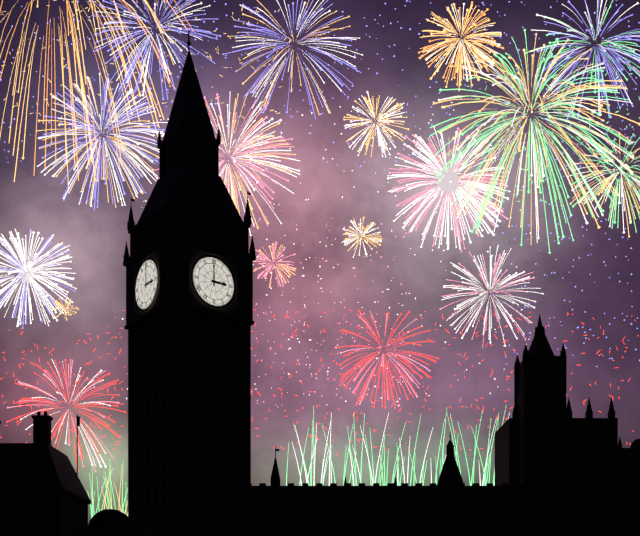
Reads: **3:00**
